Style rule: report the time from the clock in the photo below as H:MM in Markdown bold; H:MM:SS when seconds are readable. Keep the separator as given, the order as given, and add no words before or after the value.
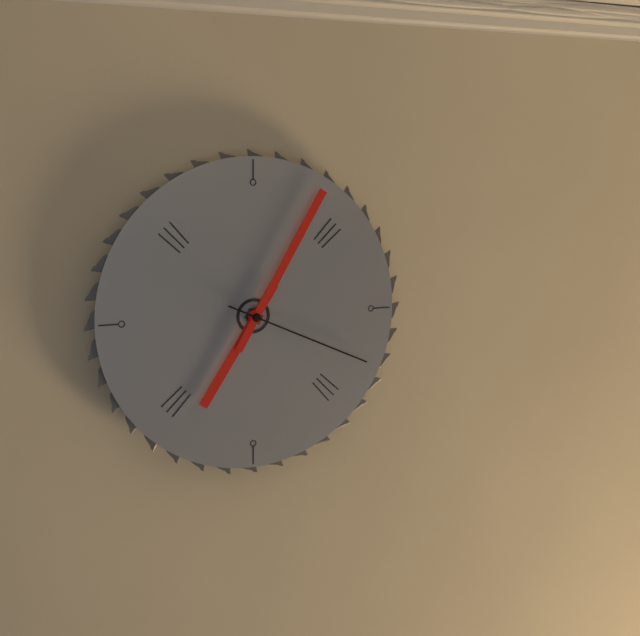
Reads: **7:05:19**
